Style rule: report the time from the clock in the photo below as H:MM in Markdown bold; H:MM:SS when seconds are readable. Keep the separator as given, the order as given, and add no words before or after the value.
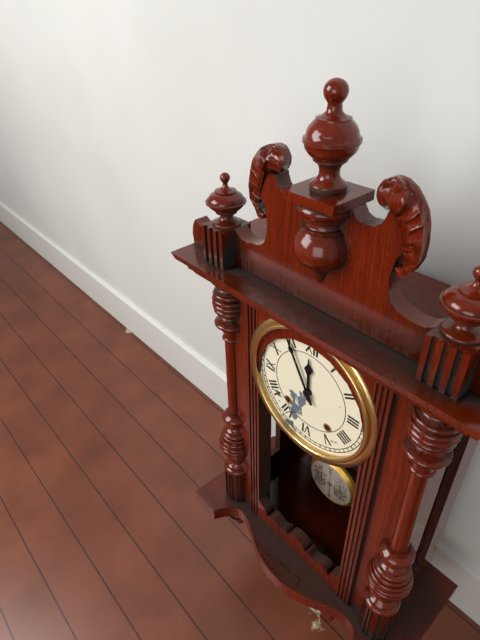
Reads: **11:55**
